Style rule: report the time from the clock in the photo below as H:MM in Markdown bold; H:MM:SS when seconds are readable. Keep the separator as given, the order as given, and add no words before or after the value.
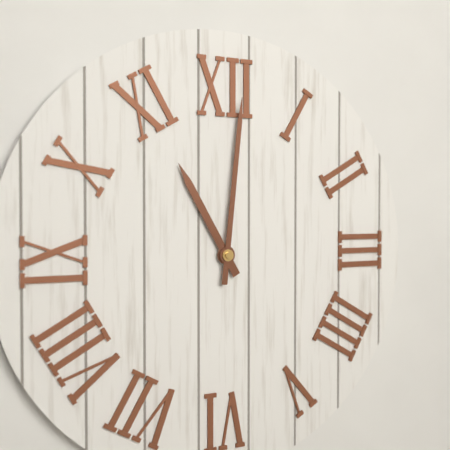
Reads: **11:01**
